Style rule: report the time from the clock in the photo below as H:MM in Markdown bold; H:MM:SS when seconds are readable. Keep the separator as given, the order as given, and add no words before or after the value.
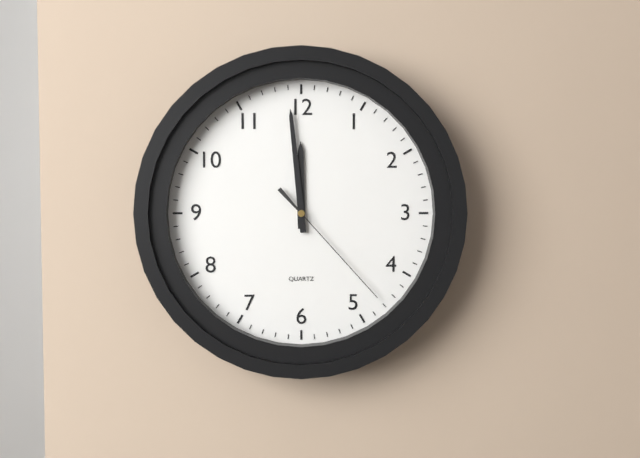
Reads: **11:59:23**
